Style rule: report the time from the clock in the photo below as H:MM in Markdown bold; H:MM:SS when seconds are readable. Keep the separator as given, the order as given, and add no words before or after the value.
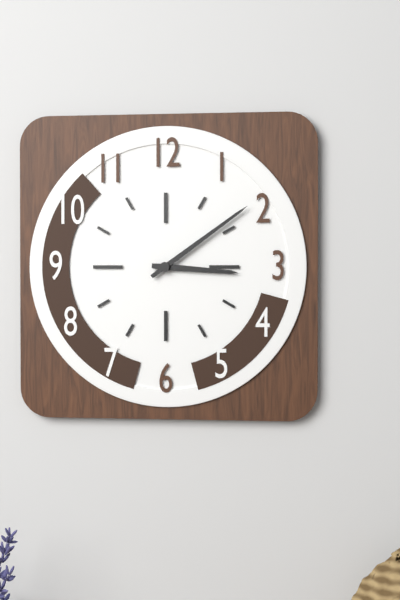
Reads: **3:09**
